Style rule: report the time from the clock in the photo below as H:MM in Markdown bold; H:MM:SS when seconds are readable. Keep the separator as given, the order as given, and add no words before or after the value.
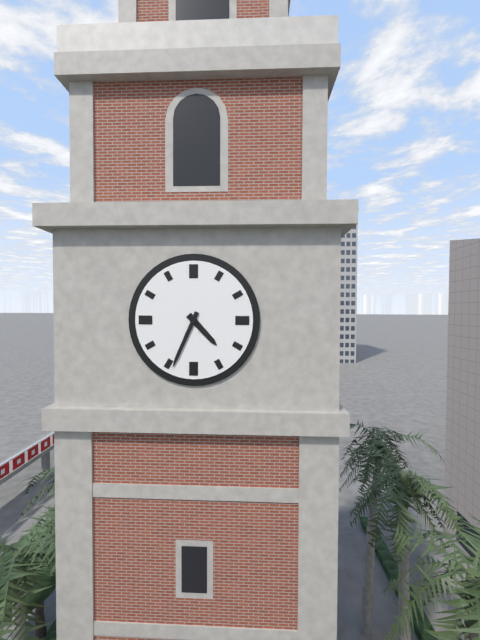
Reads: **4:34**
